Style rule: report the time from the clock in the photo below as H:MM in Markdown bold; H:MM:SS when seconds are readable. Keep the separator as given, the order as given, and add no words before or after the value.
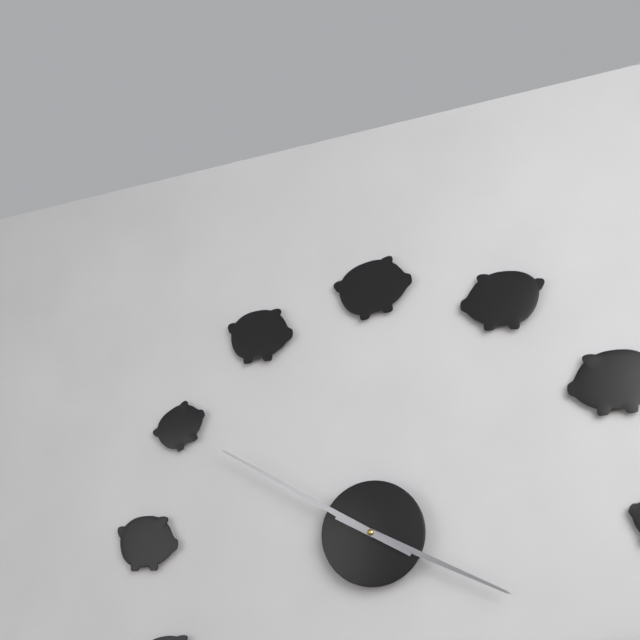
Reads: **3:50**
